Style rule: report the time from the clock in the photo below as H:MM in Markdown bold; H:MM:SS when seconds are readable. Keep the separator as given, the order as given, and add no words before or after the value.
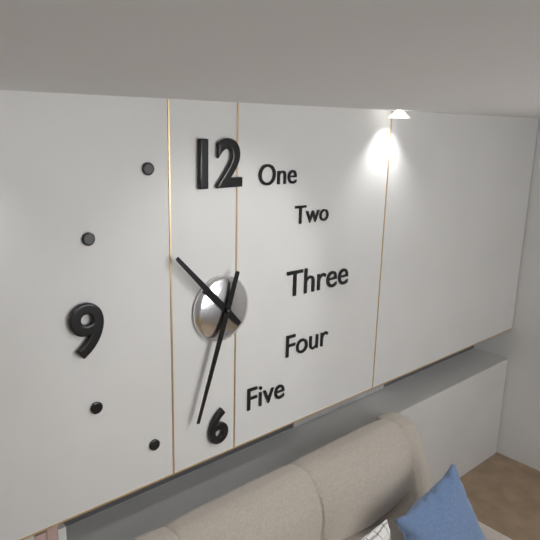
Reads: **10:33**
